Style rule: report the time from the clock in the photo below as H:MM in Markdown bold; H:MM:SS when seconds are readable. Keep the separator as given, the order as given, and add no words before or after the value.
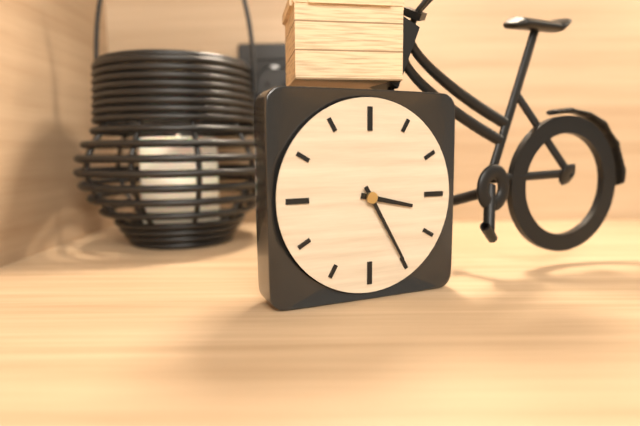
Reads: **3:25**
